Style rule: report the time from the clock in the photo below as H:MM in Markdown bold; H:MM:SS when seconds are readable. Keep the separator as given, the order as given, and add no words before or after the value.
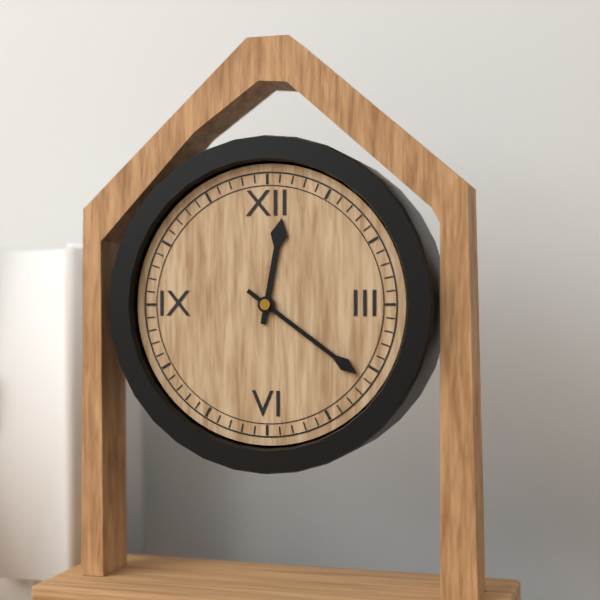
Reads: **12:21**
